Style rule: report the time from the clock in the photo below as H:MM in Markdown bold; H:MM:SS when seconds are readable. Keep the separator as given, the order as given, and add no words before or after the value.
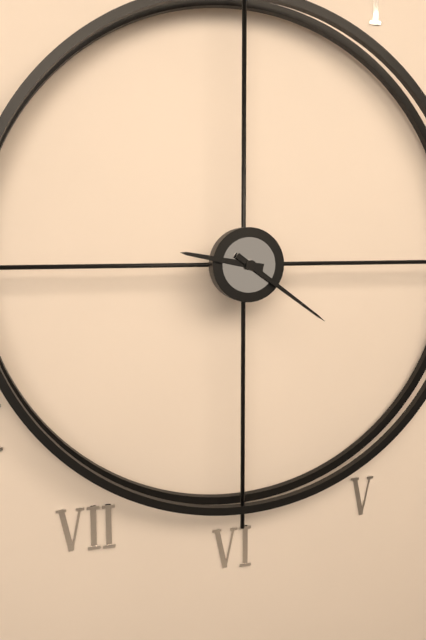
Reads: **9:21**
